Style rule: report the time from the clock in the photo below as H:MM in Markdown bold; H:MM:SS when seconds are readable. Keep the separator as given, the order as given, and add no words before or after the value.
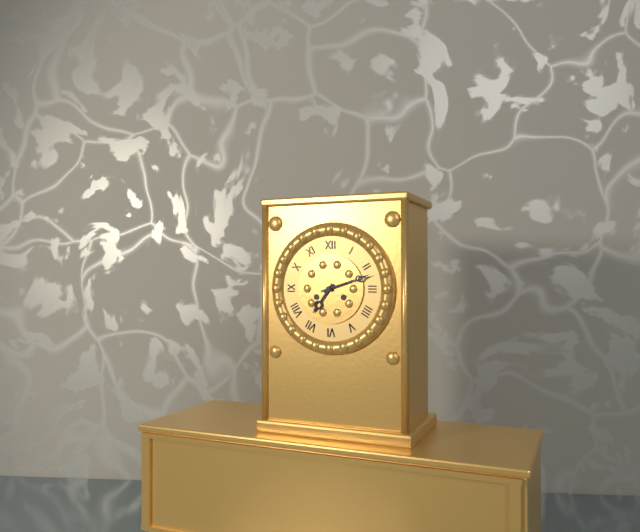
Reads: **7:12**
